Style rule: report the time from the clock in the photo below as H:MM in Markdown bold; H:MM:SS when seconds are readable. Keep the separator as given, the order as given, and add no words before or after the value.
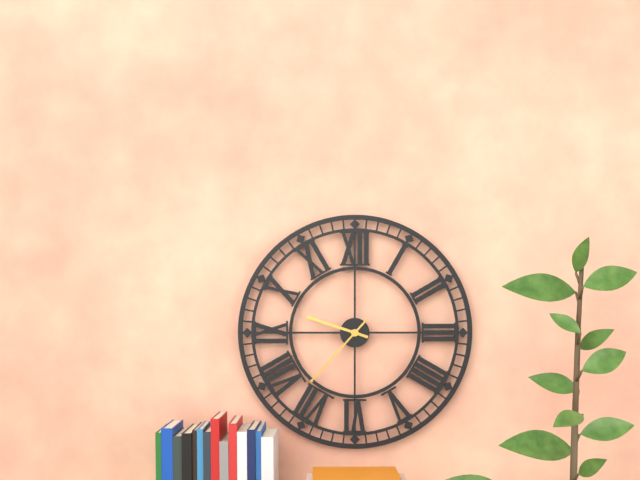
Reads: **9:37**
